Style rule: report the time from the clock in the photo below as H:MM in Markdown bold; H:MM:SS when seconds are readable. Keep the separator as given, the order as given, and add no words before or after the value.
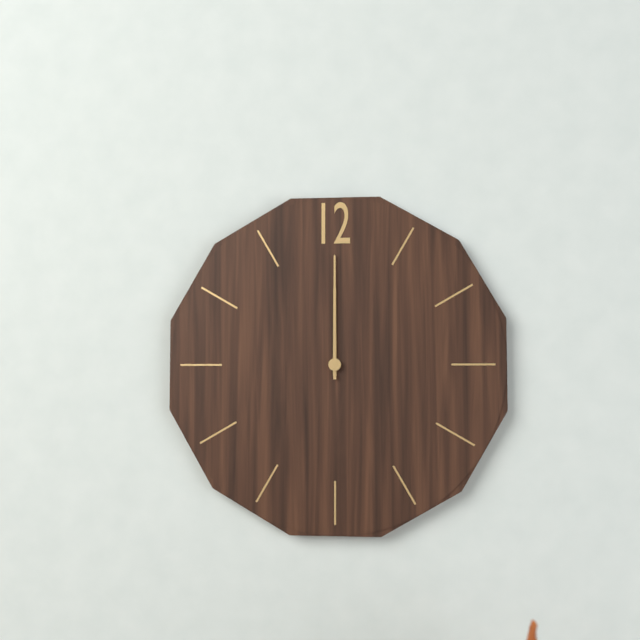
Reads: **12:00**
